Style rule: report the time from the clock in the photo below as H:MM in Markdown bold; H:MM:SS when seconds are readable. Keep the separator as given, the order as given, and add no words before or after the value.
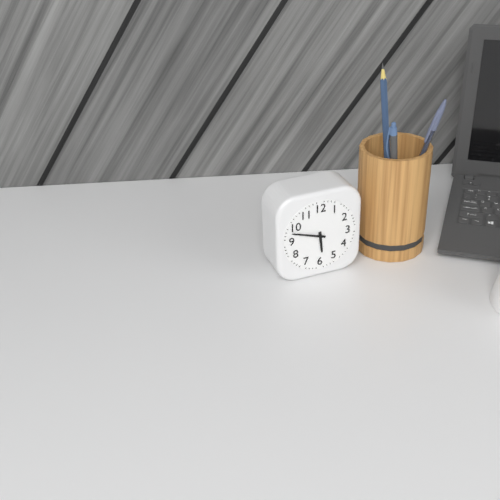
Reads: **5:48**
